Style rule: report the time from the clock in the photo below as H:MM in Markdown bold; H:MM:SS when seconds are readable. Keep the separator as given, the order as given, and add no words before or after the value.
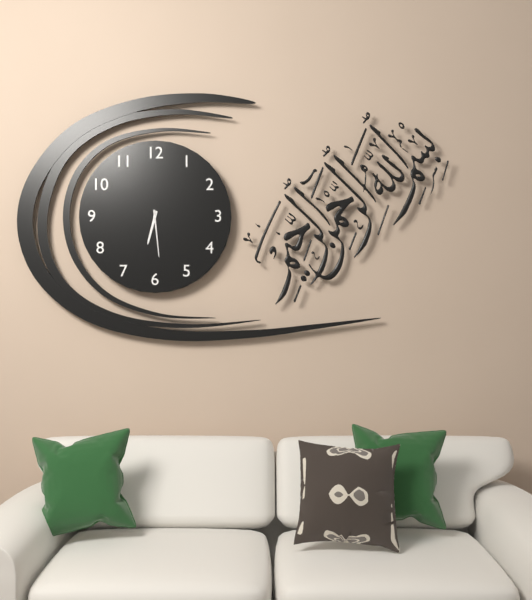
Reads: **6:29**
